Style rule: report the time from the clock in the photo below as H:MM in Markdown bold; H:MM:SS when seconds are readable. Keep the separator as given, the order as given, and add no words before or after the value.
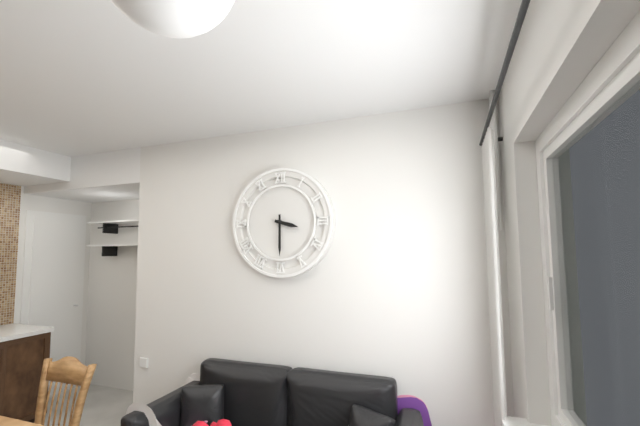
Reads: **3:30**
